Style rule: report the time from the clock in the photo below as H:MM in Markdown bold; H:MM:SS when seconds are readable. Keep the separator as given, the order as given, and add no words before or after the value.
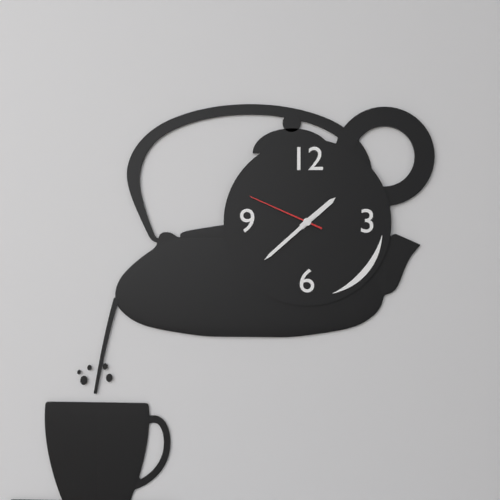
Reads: **1:38:49**
